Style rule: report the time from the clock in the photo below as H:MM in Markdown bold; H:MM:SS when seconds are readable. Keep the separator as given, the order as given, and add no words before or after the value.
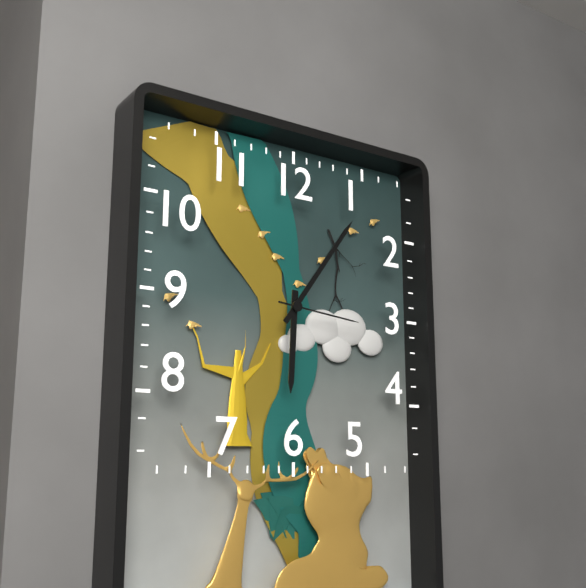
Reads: **6:06:16**
